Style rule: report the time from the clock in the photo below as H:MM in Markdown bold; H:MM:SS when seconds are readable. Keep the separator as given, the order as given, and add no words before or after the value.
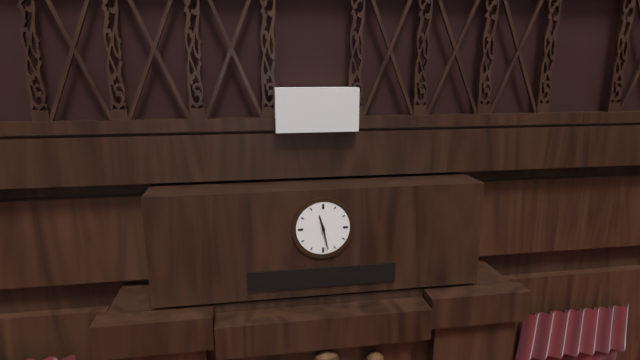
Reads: **11:28**
